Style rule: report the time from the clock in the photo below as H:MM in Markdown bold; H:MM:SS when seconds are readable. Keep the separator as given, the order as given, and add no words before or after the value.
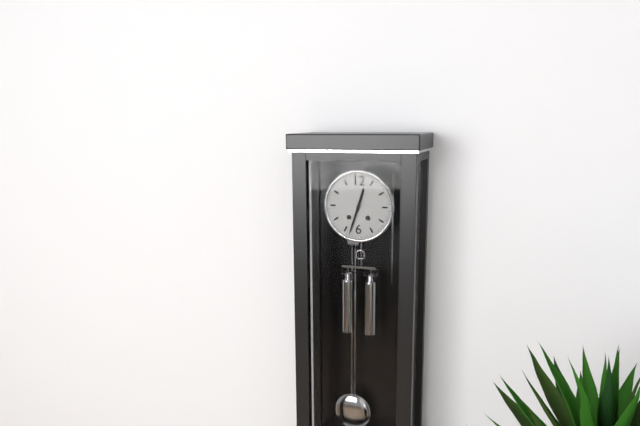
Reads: **12:33**
